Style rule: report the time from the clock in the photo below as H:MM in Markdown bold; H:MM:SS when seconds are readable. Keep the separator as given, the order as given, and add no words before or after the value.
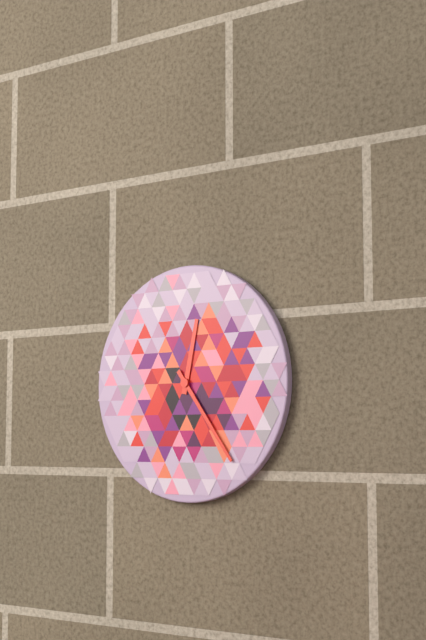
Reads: **12:24**
